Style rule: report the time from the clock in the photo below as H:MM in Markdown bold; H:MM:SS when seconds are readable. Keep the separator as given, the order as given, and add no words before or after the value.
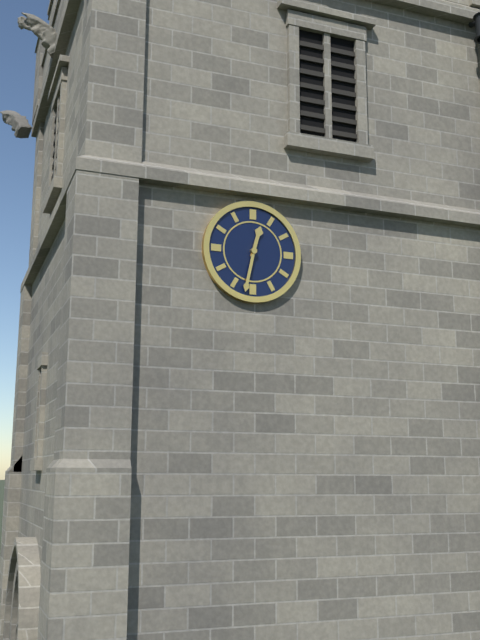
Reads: **12:32**
